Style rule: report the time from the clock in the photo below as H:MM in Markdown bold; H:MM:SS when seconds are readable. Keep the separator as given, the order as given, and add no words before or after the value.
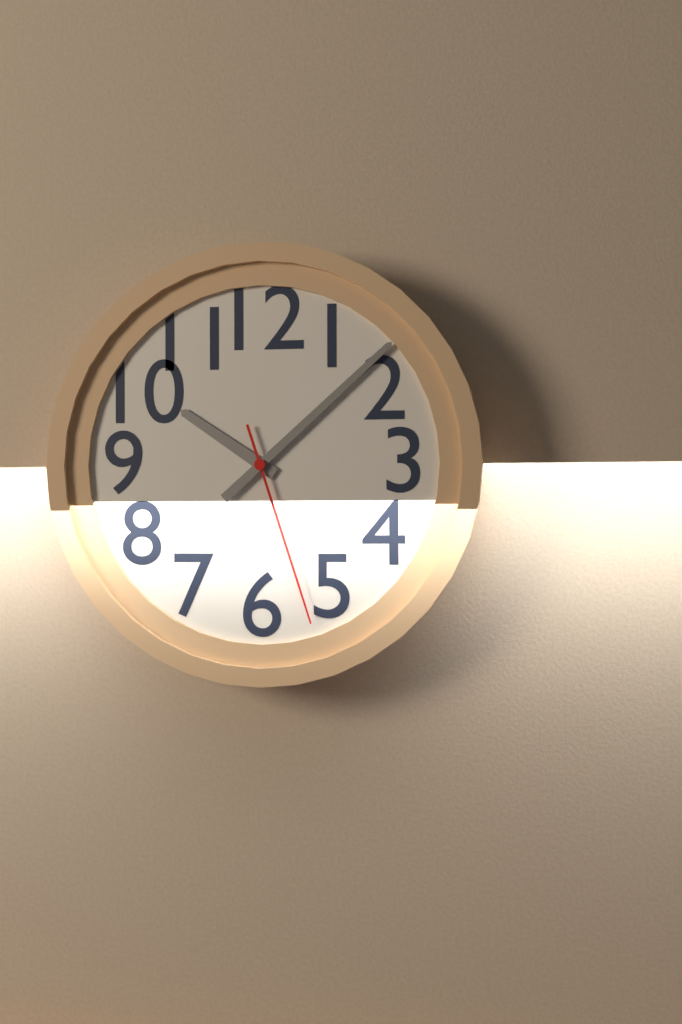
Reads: **10:08:27**
